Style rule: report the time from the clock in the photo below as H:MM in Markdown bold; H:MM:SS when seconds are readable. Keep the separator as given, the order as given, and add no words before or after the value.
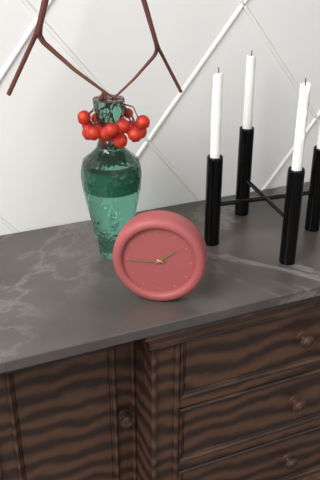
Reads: **1:45**
